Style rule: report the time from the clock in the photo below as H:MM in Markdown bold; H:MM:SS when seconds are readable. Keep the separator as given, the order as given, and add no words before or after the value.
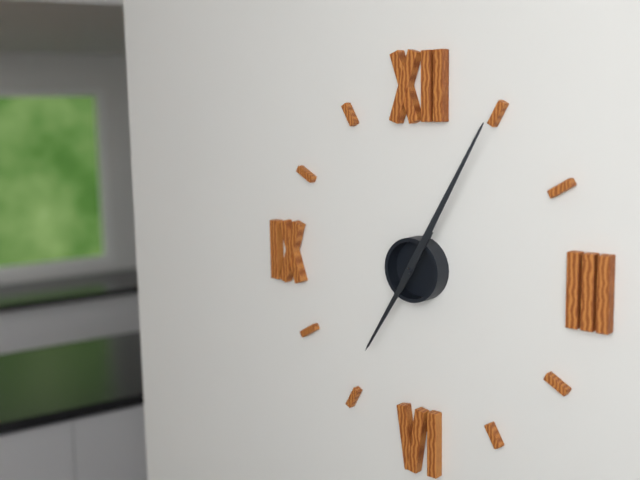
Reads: **7:05**
